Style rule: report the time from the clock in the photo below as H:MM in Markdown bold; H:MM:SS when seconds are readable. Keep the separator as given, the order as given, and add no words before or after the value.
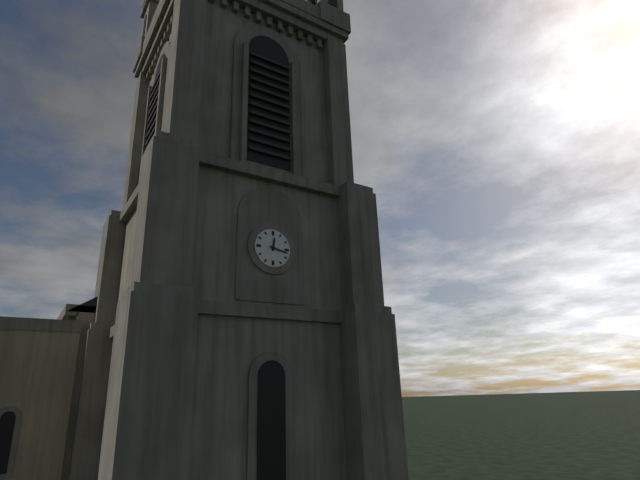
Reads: **12:17**
